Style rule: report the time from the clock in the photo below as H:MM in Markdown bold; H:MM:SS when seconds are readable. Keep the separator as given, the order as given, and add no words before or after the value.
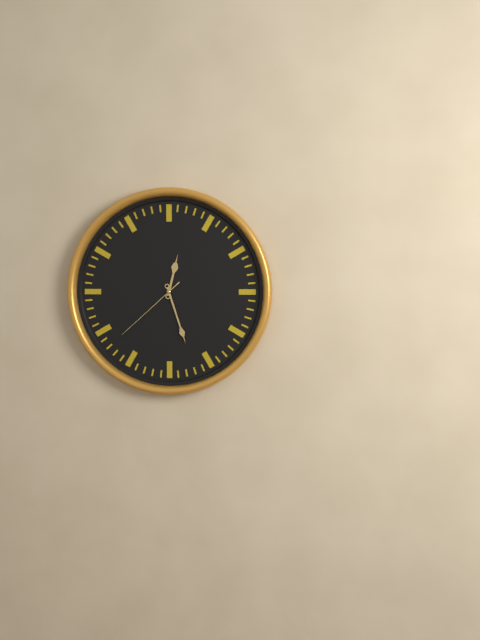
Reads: **12:27:38**
